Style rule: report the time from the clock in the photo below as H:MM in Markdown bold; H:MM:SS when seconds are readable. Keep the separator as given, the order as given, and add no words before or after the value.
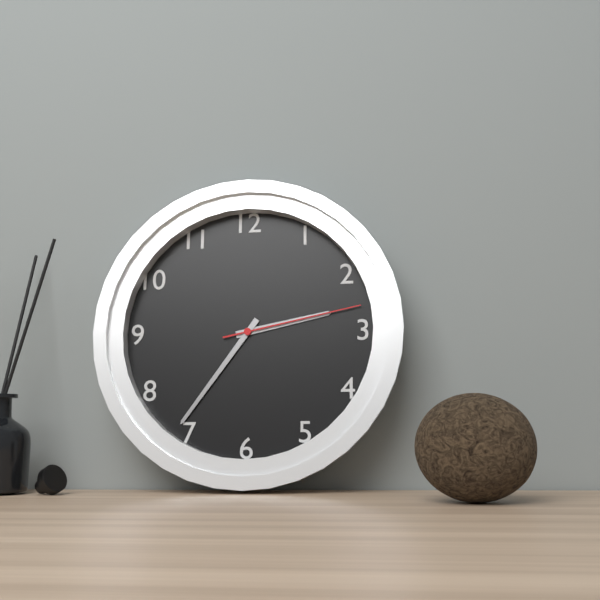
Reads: **2:36:13**
